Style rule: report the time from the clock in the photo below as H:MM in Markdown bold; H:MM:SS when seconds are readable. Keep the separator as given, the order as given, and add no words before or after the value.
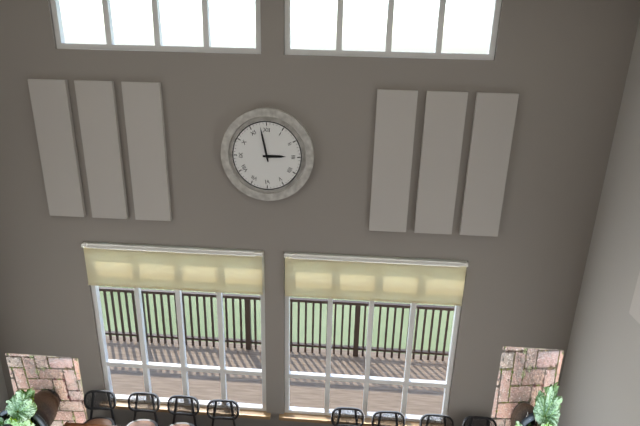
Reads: **2:58**
